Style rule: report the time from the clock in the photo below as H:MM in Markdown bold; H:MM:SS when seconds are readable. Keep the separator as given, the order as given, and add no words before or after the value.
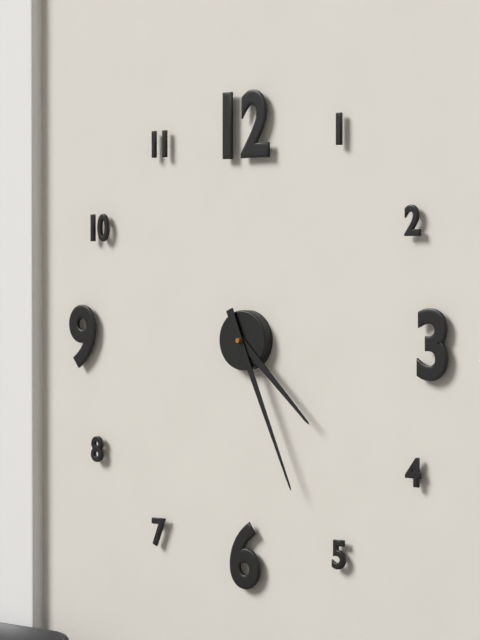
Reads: **4:26**
